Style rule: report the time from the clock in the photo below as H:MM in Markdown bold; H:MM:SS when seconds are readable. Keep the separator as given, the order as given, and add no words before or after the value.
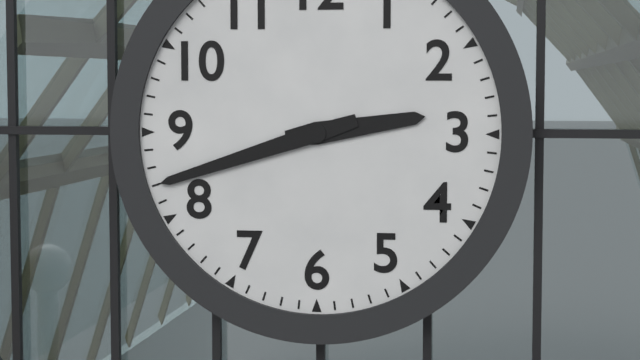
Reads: **2:42**
